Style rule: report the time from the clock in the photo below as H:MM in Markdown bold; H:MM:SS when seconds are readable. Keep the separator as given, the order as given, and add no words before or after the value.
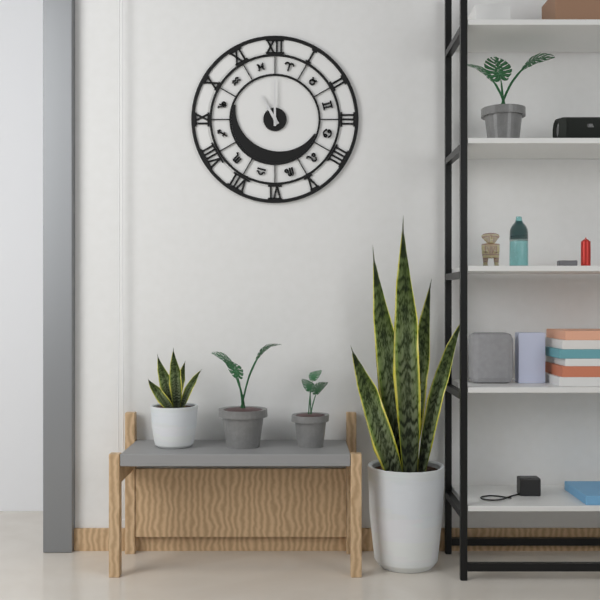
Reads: **11:00**
